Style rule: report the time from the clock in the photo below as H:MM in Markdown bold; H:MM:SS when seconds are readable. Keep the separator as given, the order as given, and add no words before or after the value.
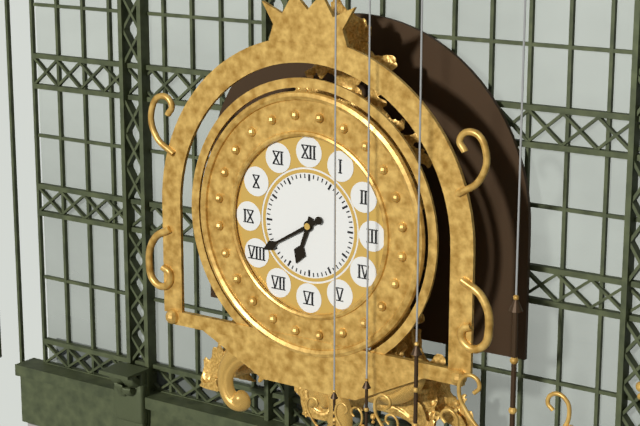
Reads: **6:40**
